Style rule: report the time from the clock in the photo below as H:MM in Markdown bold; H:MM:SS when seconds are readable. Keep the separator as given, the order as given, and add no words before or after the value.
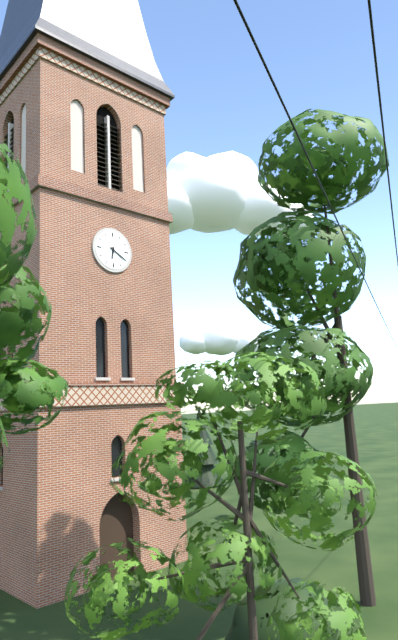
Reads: **6:20**
